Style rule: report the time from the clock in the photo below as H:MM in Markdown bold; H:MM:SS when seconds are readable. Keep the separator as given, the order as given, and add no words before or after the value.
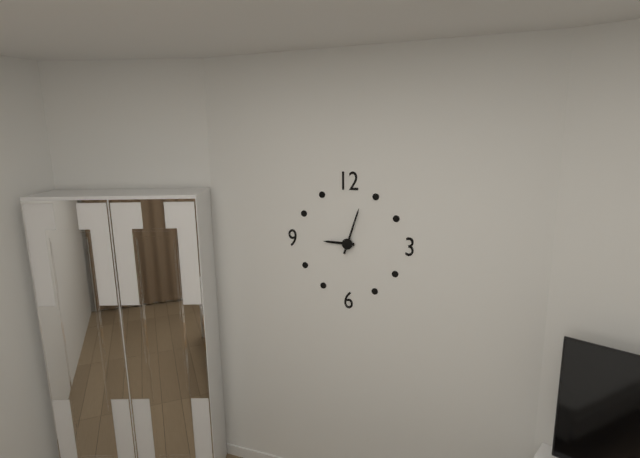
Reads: **9:03**
